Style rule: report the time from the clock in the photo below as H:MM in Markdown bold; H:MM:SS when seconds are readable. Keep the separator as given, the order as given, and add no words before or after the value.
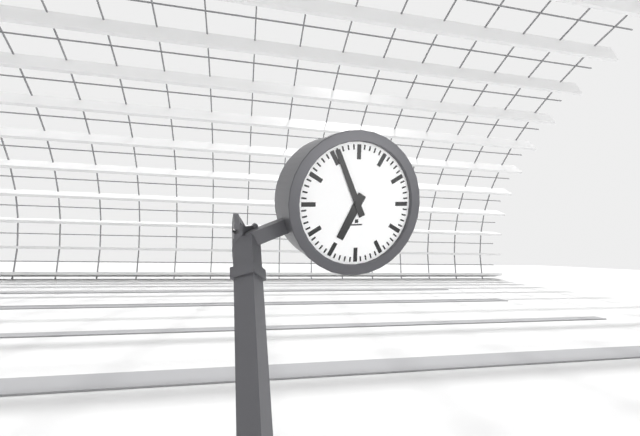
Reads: **6:56**
